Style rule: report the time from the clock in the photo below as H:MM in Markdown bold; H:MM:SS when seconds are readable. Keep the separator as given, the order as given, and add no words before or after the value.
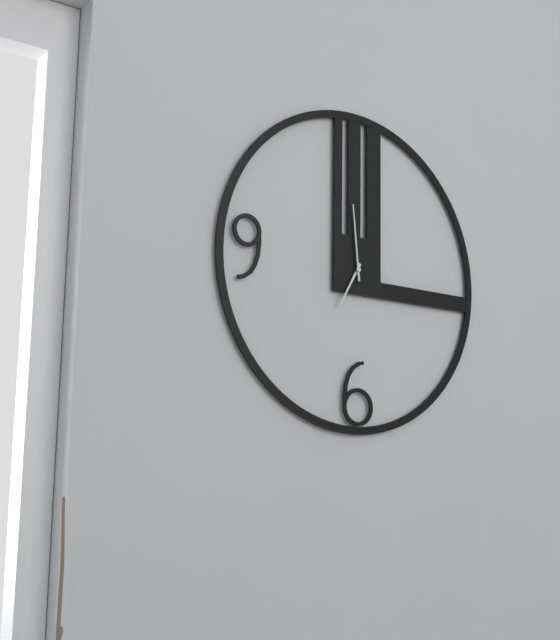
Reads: **6:59**
